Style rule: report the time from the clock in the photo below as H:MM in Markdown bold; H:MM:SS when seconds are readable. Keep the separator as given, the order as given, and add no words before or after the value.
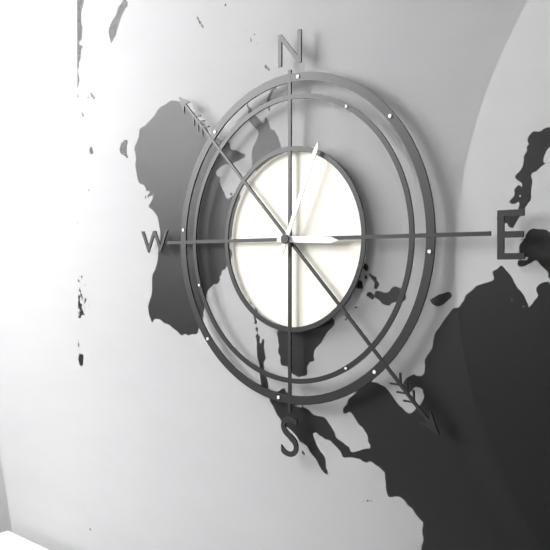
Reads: **3:04**
